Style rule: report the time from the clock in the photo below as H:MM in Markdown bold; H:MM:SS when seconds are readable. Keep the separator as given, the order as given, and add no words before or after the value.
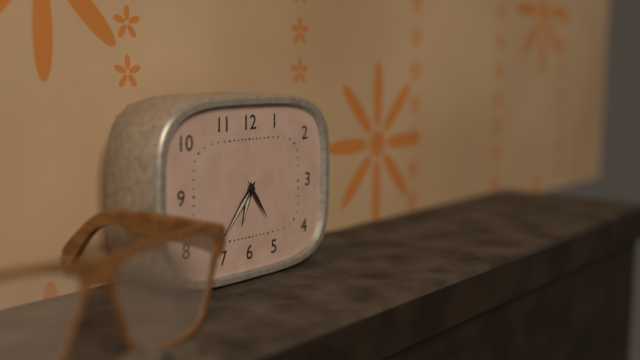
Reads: **6:37**
